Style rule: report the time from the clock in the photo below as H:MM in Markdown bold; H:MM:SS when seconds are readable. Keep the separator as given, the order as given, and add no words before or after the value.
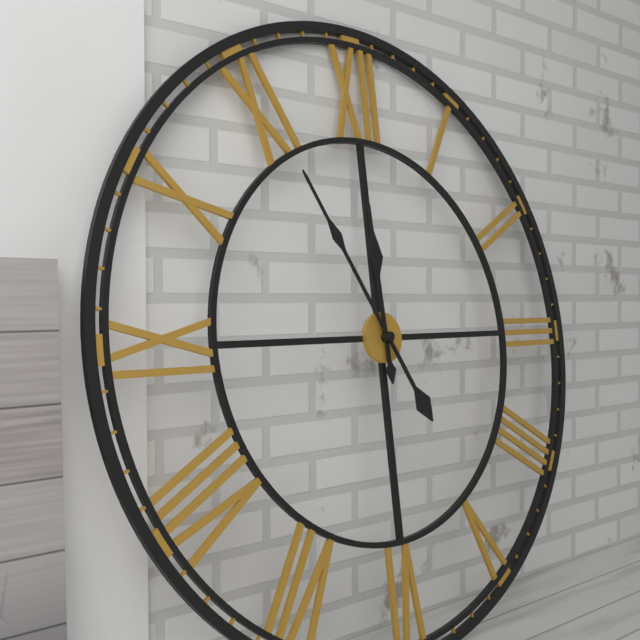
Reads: **11:55**
